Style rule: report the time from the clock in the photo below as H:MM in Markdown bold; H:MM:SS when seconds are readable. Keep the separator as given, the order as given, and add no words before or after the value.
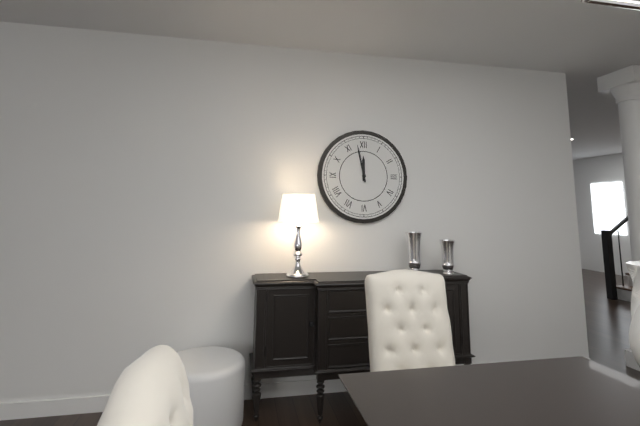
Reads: **11:58**
